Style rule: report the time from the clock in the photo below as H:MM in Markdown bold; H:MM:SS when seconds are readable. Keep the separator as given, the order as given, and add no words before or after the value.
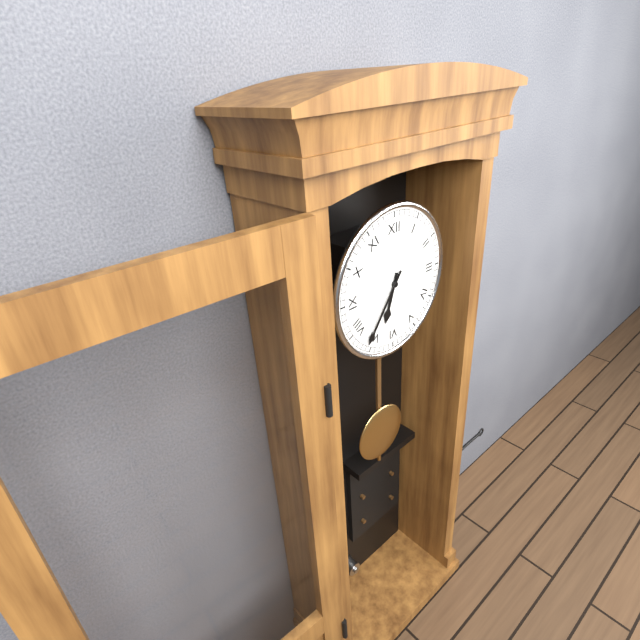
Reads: **6:36**
